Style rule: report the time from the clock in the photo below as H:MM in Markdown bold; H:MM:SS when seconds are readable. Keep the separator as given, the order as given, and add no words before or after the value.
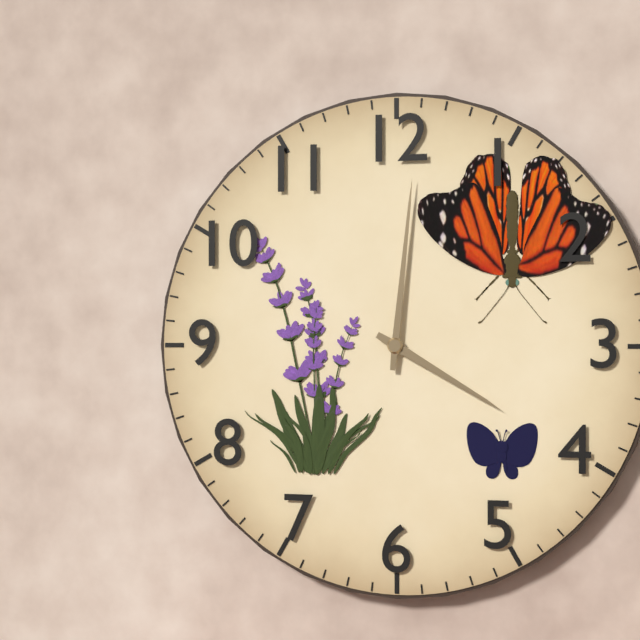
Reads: **4:01**
